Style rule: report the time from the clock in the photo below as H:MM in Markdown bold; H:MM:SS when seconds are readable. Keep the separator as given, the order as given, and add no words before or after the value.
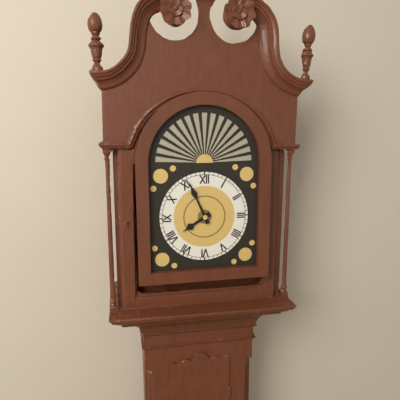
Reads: **7:56**
